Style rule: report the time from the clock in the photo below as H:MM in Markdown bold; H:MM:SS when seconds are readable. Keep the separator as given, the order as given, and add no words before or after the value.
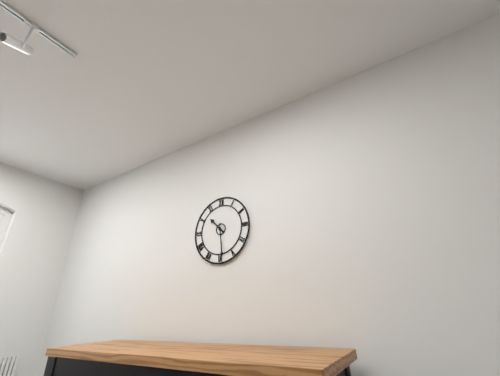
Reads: **10:29**
